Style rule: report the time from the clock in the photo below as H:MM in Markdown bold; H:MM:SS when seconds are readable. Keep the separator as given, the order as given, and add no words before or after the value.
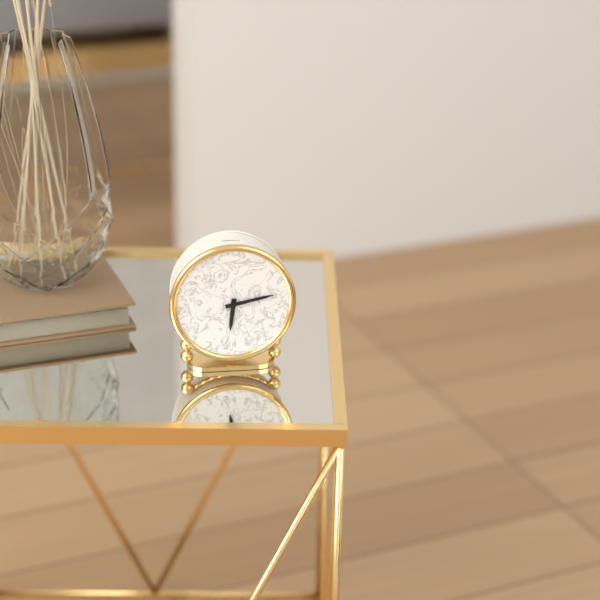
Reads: **6:13**
